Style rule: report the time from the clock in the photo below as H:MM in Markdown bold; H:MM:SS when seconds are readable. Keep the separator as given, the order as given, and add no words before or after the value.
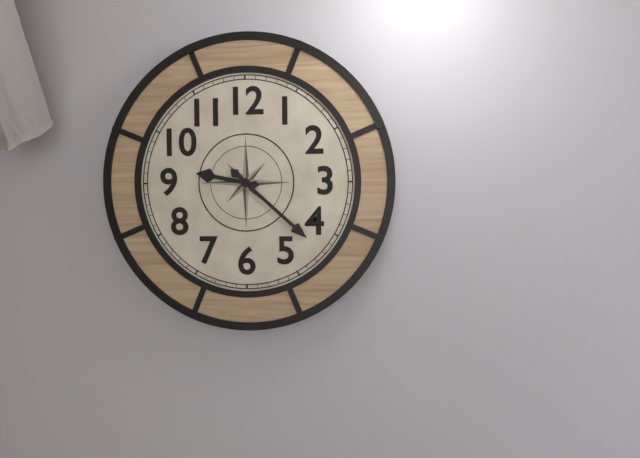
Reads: **9:22**
